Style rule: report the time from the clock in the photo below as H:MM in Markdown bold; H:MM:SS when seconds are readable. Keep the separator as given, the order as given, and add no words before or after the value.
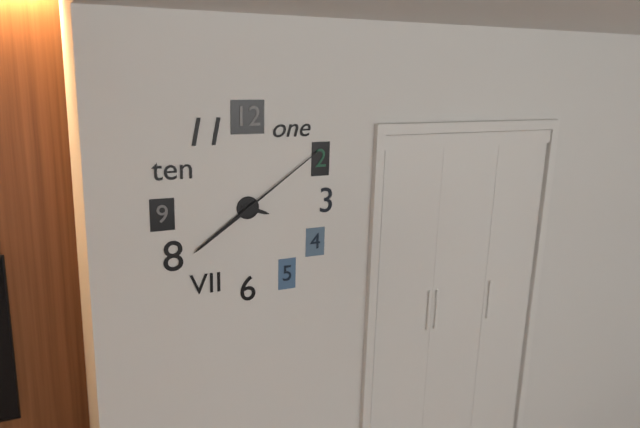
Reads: **3:39:09**
